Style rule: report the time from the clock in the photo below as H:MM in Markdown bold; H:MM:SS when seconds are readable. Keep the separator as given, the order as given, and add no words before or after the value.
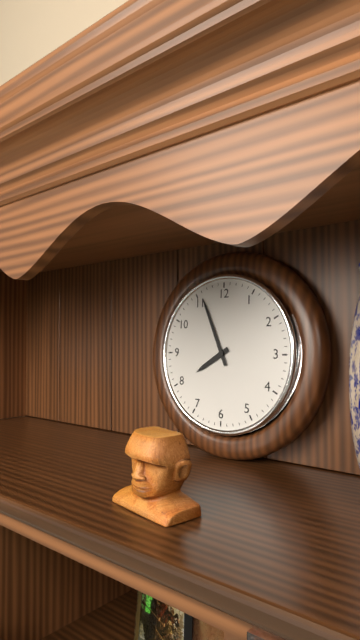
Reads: **7:56**
